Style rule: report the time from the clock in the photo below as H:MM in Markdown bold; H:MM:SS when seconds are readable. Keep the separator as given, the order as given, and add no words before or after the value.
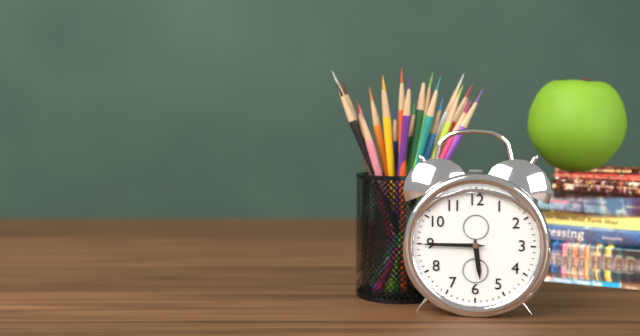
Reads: **5:45**
